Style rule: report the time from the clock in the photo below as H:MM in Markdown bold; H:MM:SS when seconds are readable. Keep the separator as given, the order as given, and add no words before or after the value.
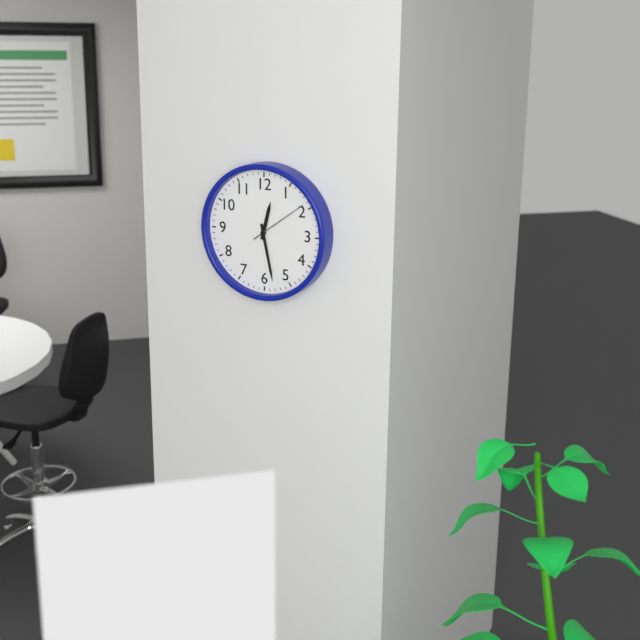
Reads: **12:28**
